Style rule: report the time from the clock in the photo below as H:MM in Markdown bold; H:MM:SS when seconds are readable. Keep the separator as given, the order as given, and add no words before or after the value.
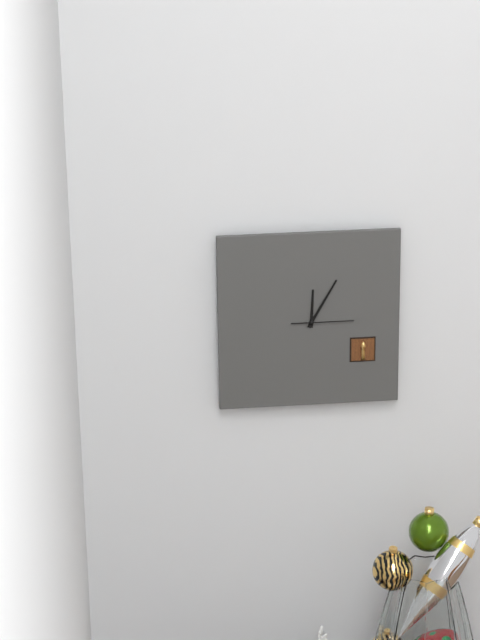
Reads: **12:05:15**
